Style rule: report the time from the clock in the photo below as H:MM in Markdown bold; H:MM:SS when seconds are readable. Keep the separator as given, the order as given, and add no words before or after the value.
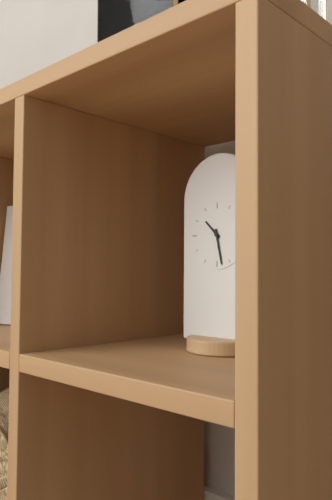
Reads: **10:28**
